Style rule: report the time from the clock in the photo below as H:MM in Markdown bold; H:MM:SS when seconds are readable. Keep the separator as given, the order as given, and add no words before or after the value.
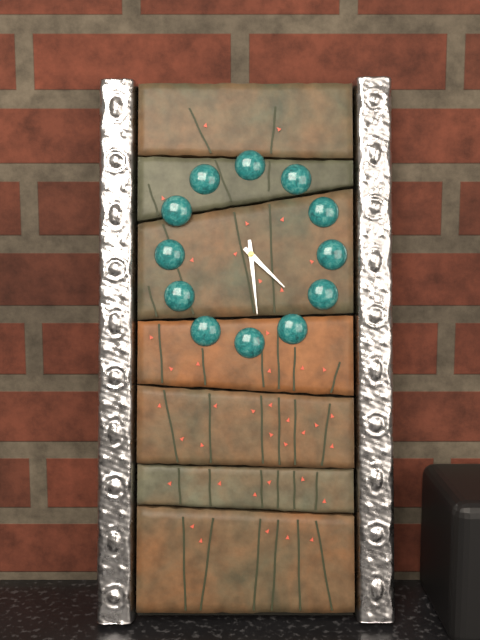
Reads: **4:29**
